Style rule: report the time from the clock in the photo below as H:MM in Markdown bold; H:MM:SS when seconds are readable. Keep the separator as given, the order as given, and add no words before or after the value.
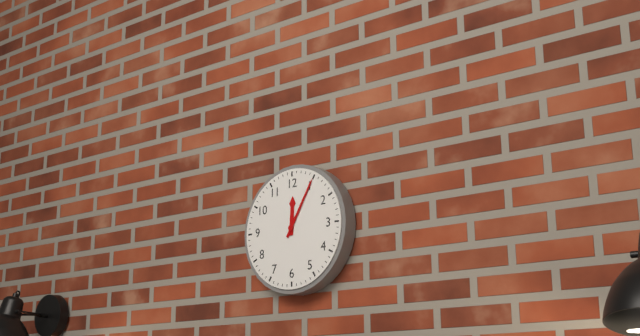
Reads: **12:05**
